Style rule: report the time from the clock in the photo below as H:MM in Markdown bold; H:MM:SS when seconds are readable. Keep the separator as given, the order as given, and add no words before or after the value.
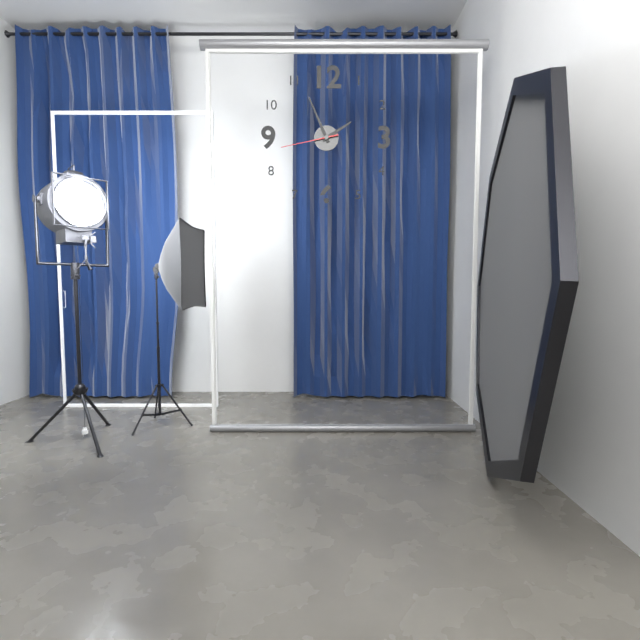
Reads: **1:56:43**
